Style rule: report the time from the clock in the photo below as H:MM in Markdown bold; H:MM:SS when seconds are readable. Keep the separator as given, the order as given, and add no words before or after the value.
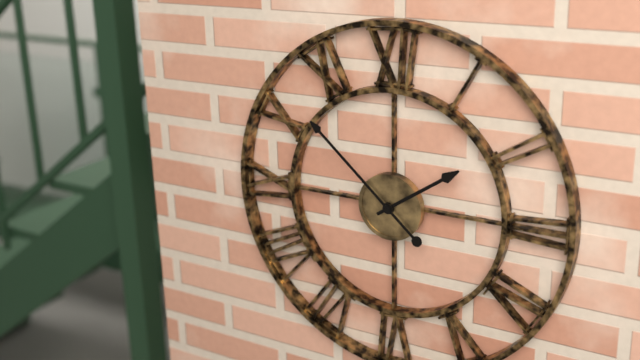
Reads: **1:52**
